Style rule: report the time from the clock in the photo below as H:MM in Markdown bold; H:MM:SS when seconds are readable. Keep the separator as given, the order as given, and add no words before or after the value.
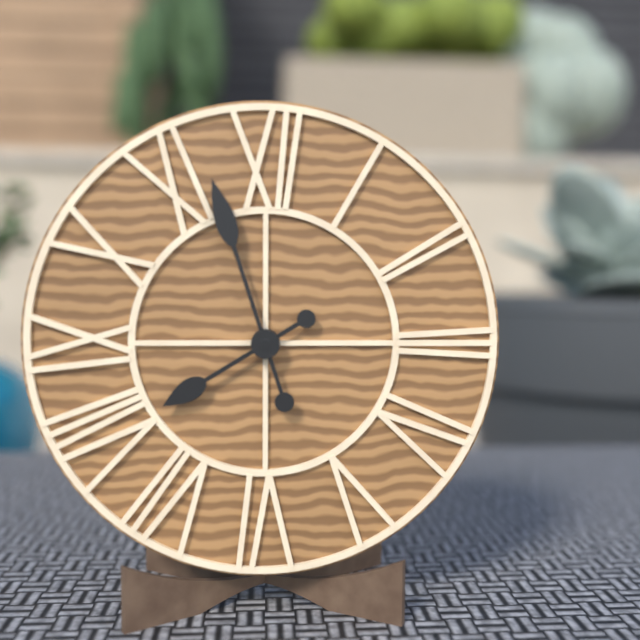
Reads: **7:57**
